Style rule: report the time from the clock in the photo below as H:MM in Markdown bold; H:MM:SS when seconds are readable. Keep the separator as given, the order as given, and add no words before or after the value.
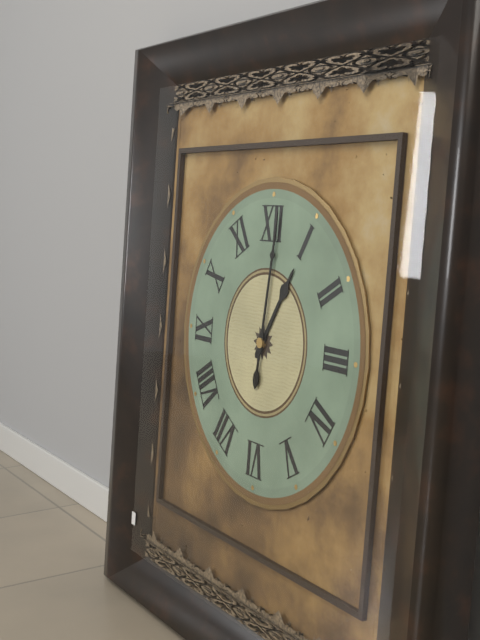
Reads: **1:01**
